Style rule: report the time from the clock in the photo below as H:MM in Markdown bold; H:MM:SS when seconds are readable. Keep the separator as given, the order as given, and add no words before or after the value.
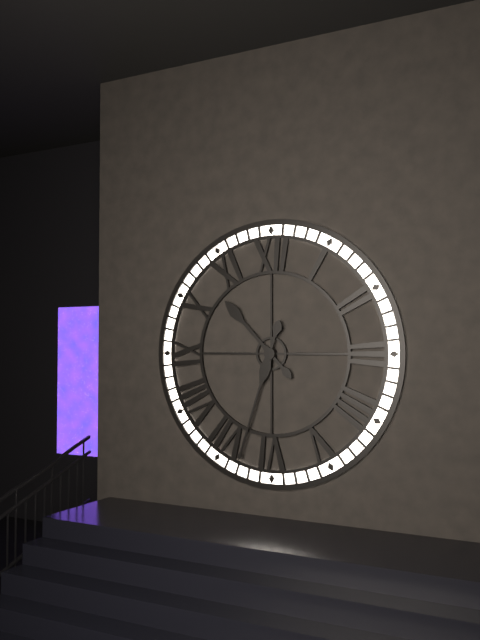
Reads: **10:33**
